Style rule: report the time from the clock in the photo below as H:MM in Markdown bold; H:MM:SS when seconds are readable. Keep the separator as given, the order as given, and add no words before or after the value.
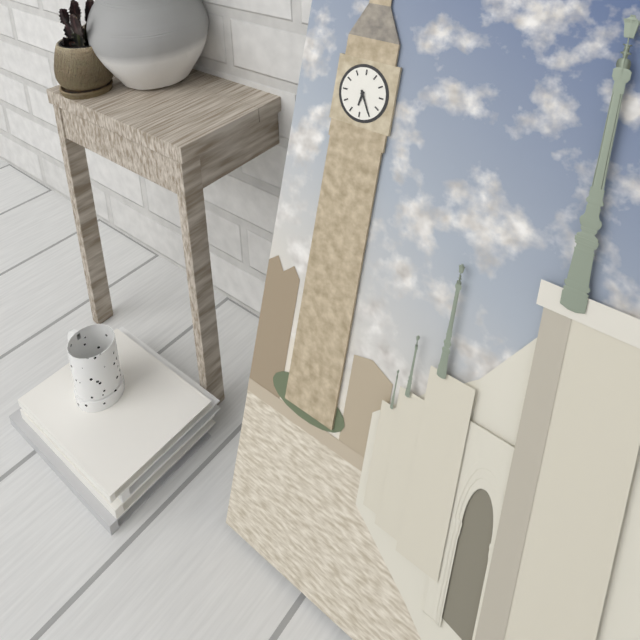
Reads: **6:25**
